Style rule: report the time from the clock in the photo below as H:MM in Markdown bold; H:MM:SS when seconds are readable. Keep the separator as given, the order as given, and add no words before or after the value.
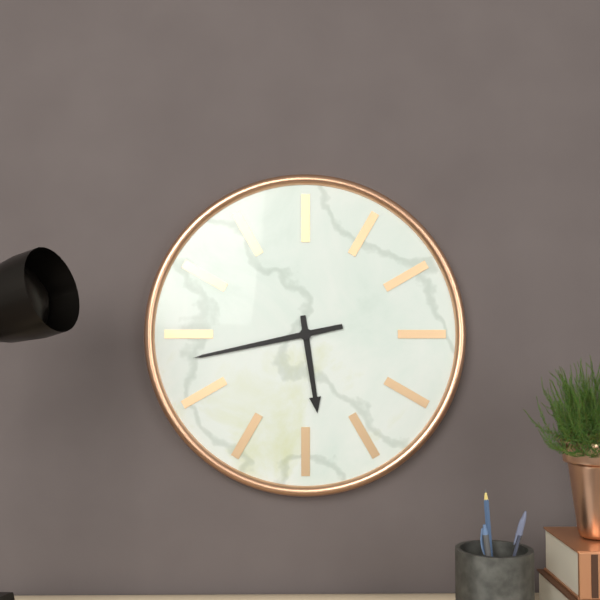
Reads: **5:43**
